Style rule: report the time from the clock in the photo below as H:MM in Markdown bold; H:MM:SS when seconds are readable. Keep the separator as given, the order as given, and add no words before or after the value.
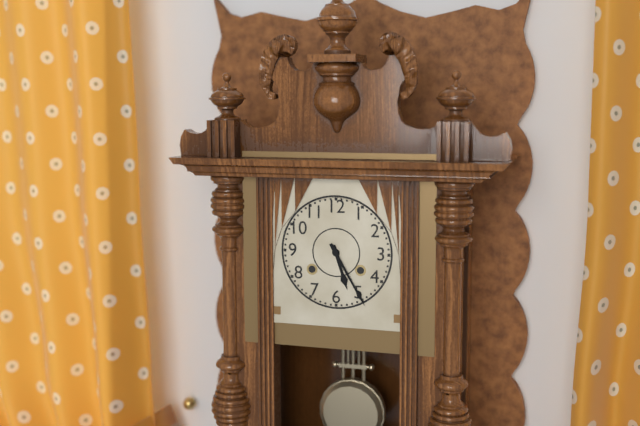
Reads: **5:25**
